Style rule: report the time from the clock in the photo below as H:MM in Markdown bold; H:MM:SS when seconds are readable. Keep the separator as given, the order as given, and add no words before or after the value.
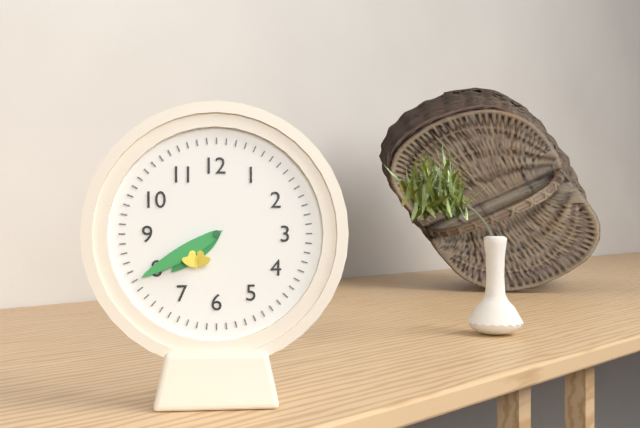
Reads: **7:40**
